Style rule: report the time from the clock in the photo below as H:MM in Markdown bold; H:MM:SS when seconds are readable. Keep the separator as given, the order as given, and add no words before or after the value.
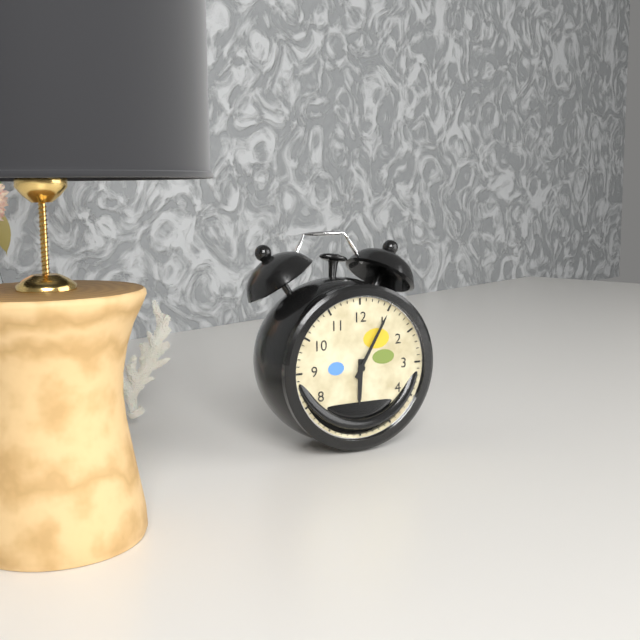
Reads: **6:05**
